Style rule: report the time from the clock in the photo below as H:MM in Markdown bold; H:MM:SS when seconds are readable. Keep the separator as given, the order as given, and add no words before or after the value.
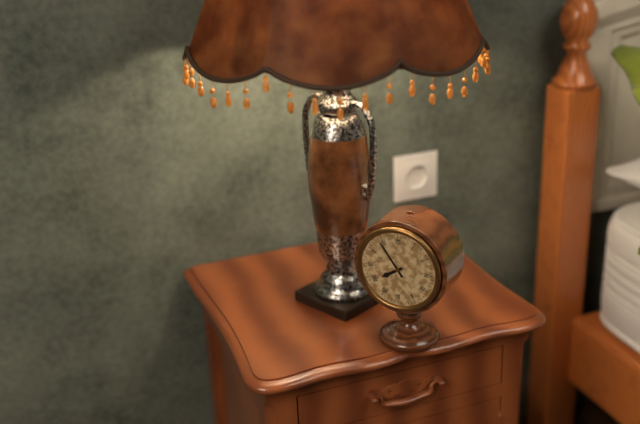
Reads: **7:54**
